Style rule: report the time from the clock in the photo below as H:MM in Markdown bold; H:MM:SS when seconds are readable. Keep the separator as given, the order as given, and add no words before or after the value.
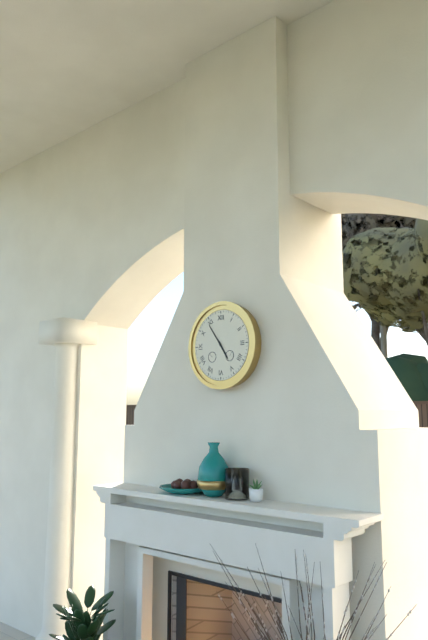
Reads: **4:54**
